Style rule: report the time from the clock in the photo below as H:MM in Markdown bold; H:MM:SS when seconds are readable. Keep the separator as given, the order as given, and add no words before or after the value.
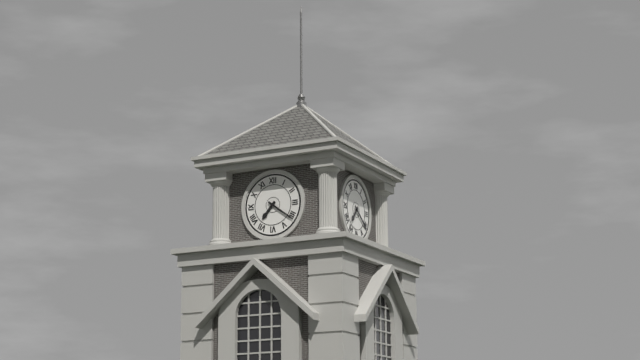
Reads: **7:21**
